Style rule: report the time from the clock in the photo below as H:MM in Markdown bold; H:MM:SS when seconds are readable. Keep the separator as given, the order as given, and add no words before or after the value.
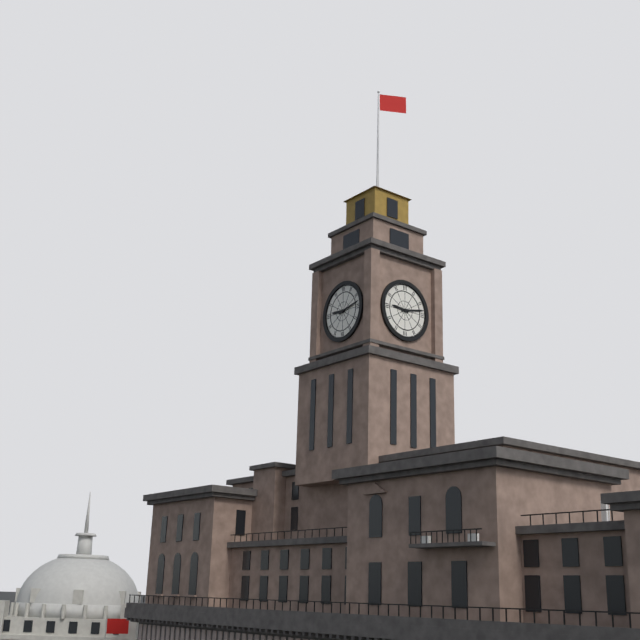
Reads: **9:13**
